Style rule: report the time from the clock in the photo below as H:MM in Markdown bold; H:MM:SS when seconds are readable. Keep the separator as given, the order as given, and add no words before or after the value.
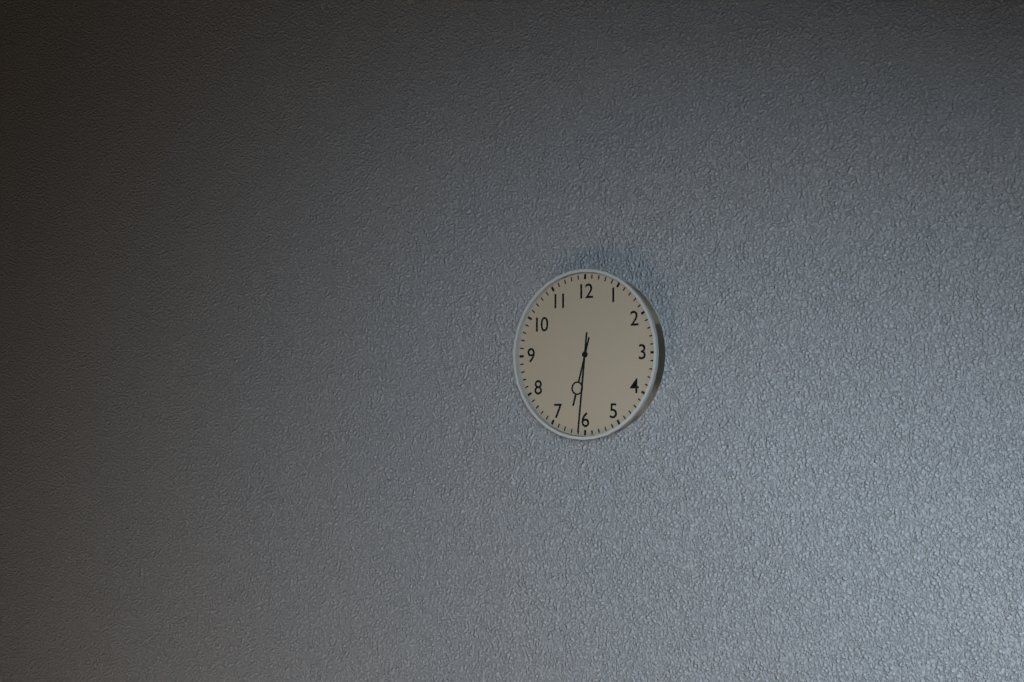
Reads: **6:31**
